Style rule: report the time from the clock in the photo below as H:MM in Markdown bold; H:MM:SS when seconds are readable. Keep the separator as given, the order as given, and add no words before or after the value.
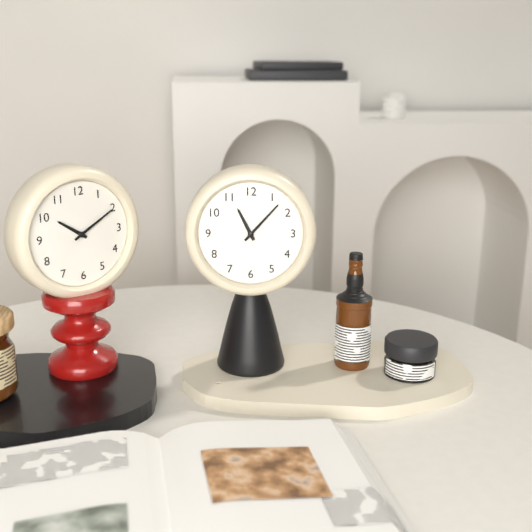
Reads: **11:07**
